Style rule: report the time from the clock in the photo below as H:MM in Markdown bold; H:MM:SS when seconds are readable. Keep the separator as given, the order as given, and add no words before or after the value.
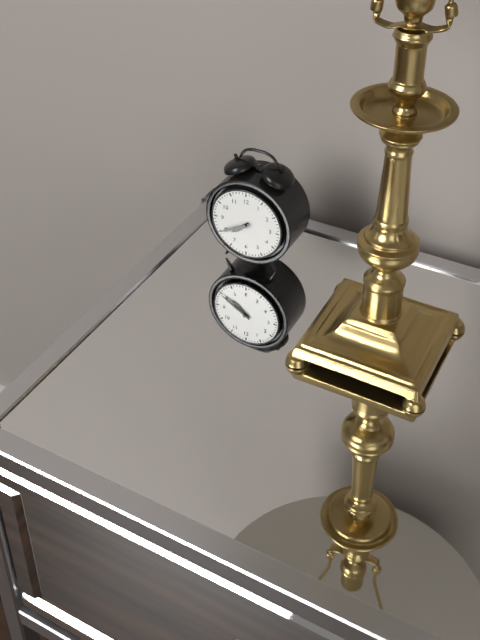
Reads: **7:40**
